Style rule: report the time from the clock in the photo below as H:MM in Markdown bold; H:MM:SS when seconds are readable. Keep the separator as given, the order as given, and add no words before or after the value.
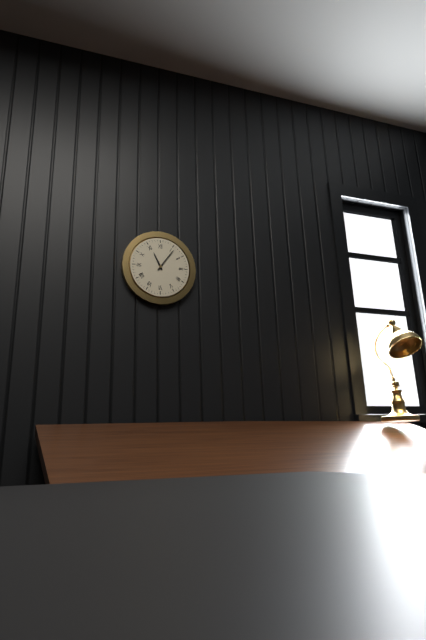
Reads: **11:06**
